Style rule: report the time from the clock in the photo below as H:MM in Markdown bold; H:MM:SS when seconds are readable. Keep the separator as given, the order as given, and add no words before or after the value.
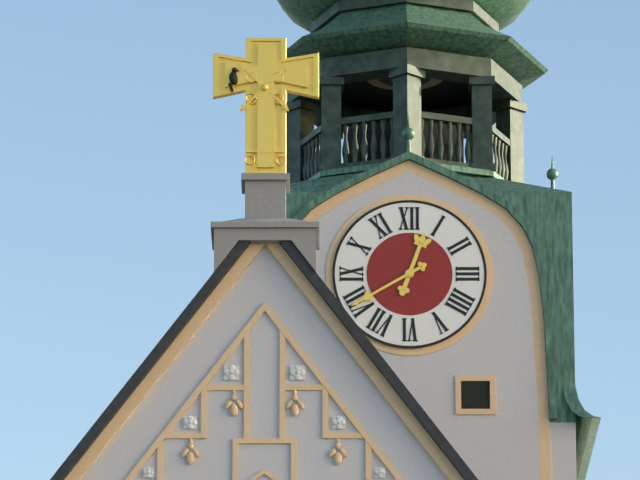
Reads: **12:40**
